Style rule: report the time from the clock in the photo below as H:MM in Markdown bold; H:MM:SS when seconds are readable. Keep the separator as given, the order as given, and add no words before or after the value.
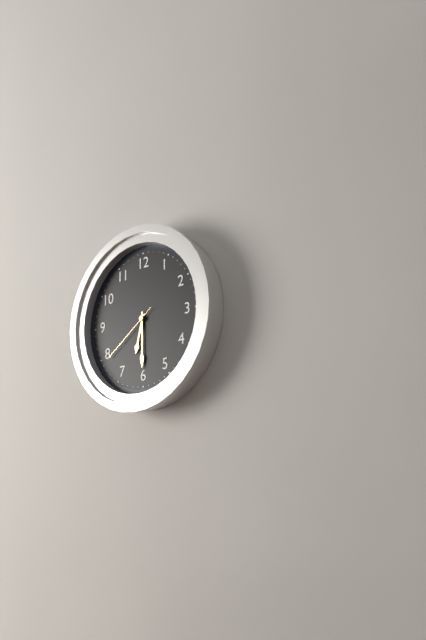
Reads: **6:30:39**
